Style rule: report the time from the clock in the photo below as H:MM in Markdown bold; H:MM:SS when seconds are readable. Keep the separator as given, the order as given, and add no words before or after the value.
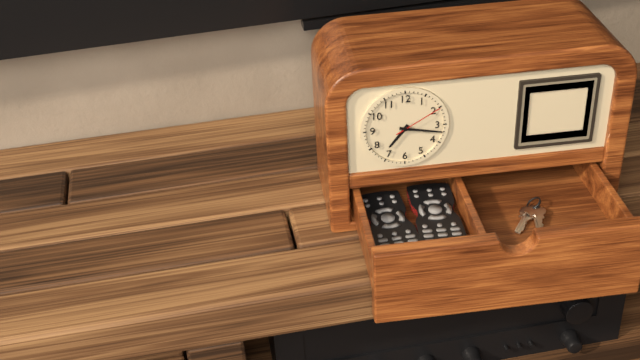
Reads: **7:17:10**
